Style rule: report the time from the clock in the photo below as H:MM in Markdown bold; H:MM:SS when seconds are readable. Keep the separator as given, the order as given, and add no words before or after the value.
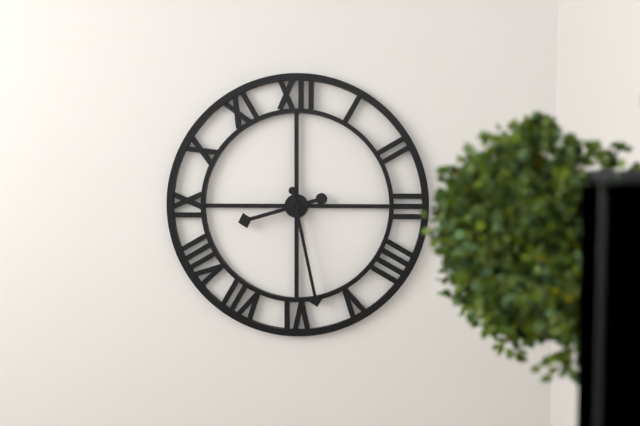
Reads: **8:28**
